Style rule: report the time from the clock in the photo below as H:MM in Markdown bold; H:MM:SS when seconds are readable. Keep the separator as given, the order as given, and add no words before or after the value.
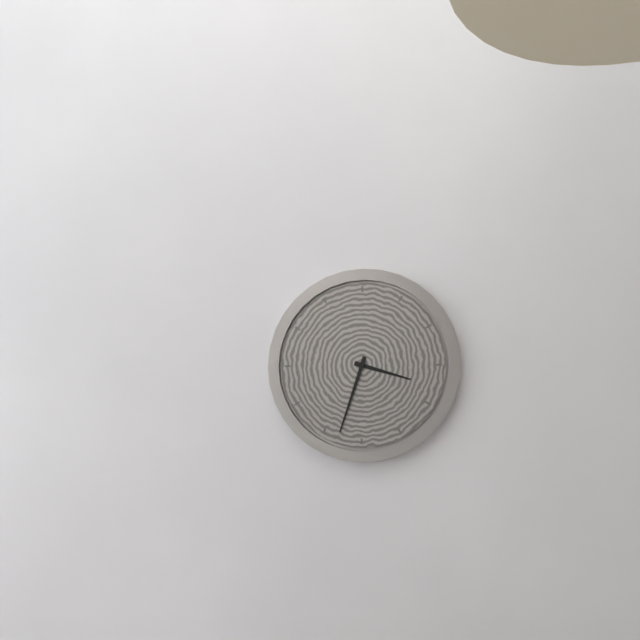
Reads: **3:33**
